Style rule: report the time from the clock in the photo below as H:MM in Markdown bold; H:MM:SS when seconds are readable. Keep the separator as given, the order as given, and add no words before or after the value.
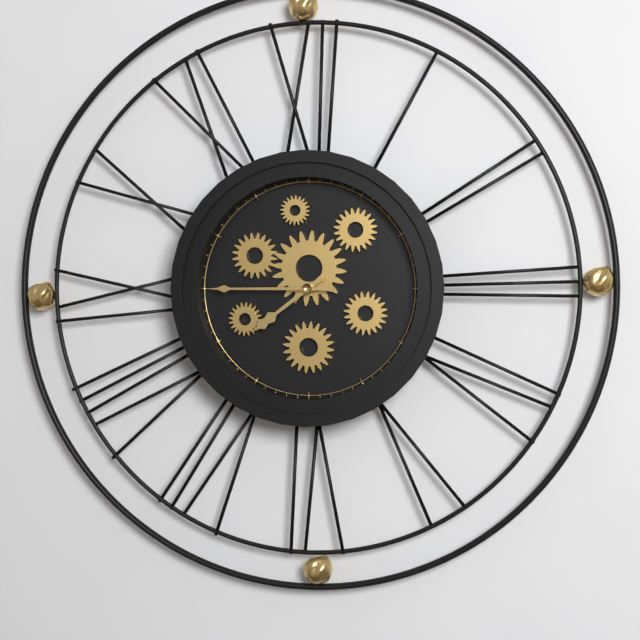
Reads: **7:45**
